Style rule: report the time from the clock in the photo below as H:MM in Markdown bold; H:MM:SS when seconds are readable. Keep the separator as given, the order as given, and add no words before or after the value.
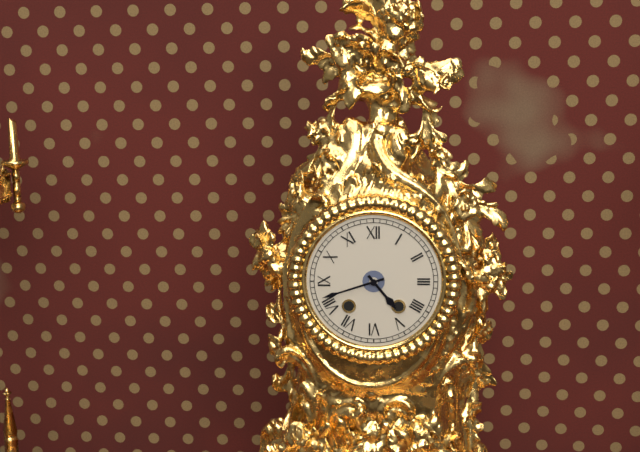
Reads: **4:42**
